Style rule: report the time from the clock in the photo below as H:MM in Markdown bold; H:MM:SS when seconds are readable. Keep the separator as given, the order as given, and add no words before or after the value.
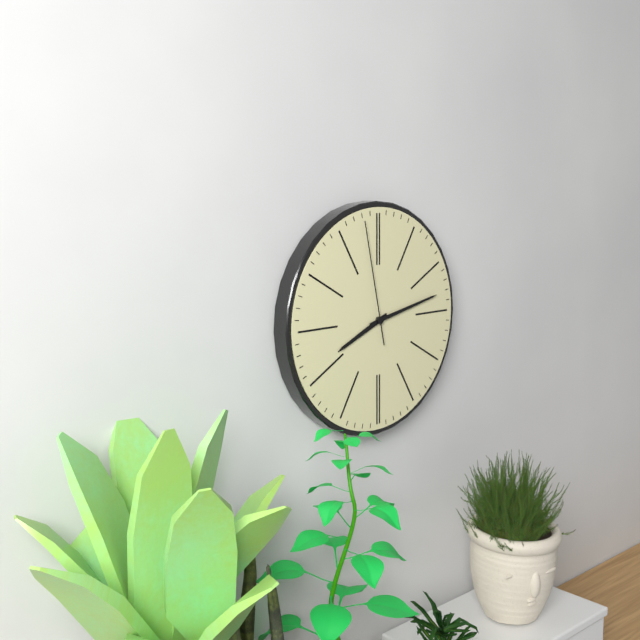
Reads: **8:13:58**
